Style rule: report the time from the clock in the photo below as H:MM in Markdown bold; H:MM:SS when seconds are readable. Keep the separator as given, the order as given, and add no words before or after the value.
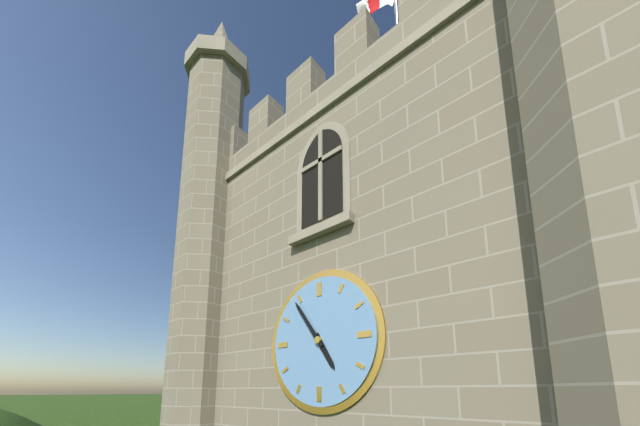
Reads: **4:54**
